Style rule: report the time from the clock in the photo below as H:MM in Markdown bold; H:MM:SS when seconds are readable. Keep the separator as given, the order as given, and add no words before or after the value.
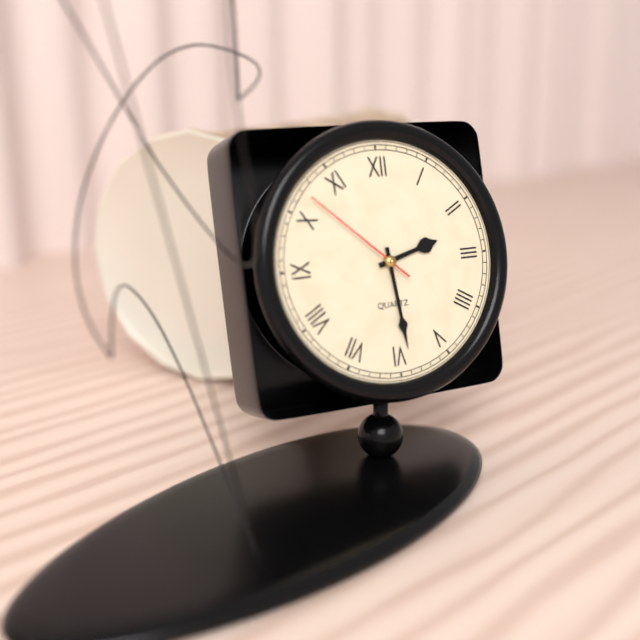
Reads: **2:29:52**
